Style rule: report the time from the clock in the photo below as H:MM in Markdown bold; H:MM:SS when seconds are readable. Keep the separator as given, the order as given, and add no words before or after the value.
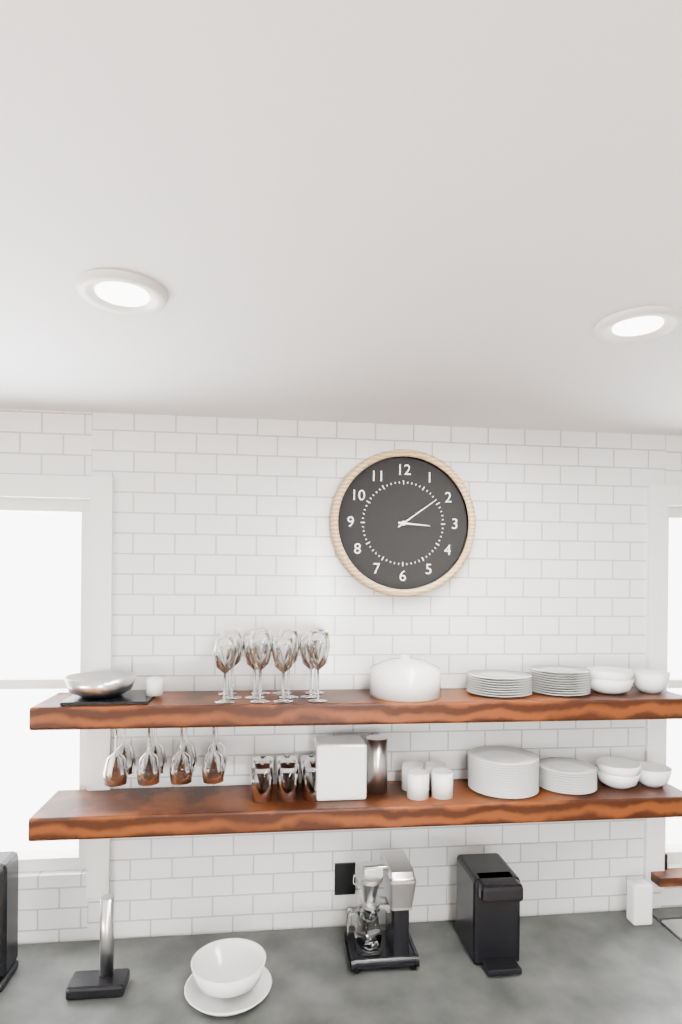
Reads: **3:09**
